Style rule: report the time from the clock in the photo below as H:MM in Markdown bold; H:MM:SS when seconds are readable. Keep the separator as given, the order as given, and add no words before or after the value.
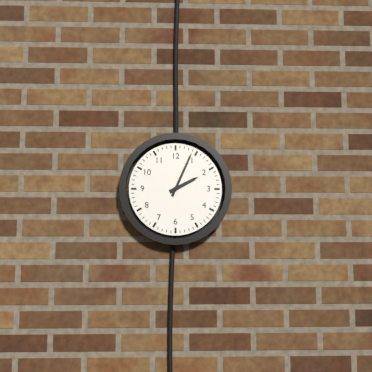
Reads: **2:04**
